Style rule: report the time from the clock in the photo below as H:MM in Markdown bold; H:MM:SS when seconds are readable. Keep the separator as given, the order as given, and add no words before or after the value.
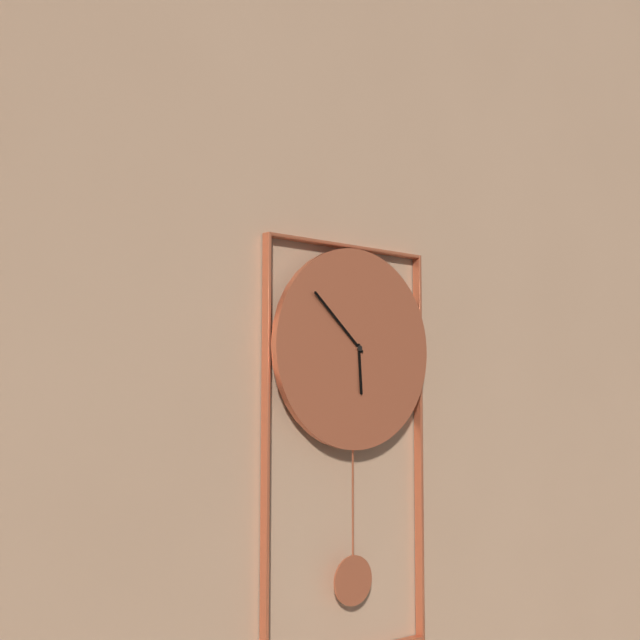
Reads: **5:52**
